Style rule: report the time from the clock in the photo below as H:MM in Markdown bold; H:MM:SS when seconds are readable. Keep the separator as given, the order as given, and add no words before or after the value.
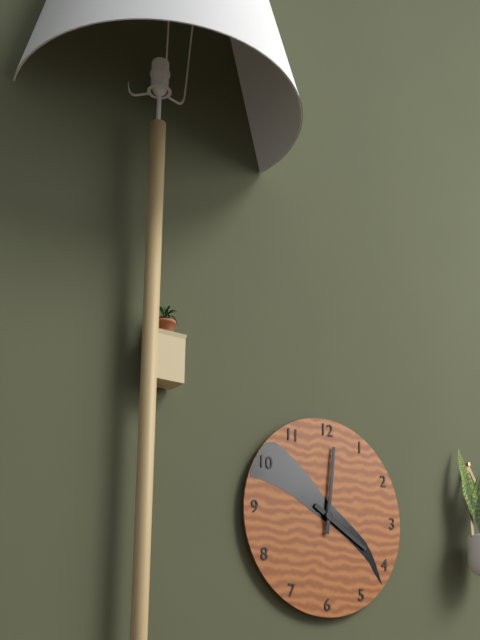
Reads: **4:01**
